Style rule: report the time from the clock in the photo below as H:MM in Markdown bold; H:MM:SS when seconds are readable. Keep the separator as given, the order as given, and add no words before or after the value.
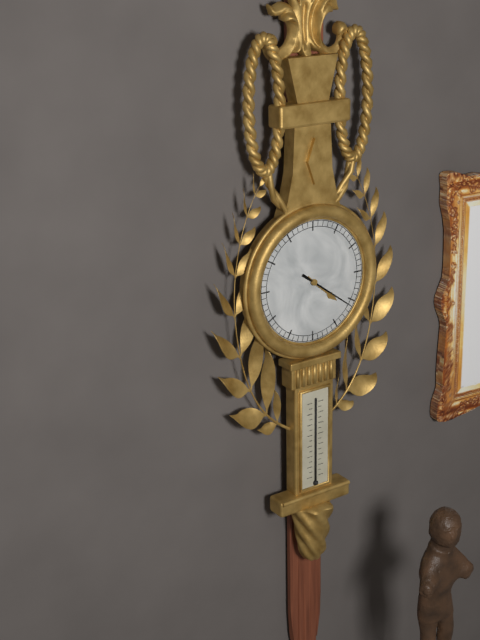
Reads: **4:21**
